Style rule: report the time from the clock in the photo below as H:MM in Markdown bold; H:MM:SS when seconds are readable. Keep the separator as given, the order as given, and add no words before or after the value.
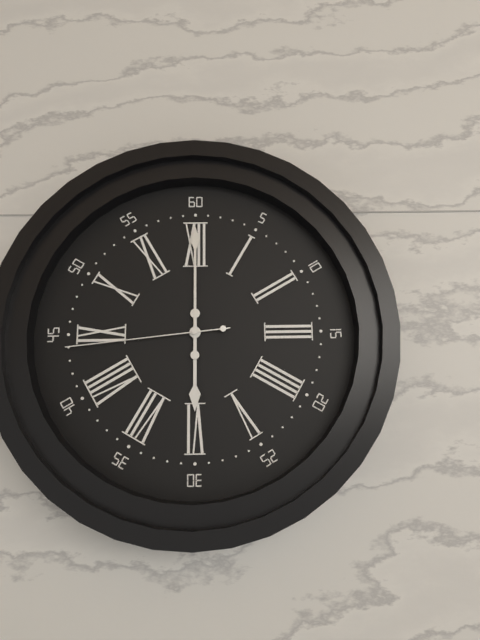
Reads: **6:00:44**
